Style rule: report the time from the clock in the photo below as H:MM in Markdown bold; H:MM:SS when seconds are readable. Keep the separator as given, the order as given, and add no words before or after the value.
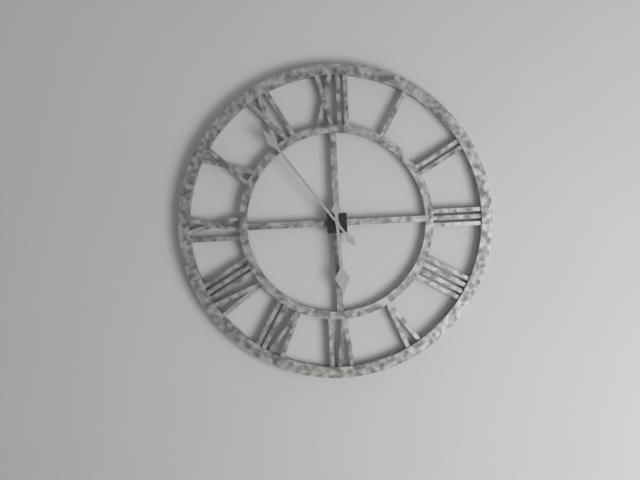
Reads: **5:54**
